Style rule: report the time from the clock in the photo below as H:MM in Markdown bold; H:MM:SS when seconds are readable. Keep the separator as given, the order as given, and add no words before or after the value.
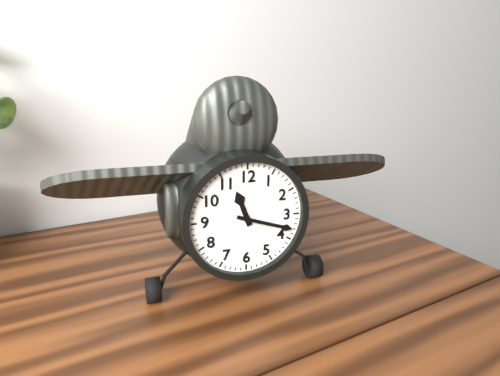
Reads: **11:18**
